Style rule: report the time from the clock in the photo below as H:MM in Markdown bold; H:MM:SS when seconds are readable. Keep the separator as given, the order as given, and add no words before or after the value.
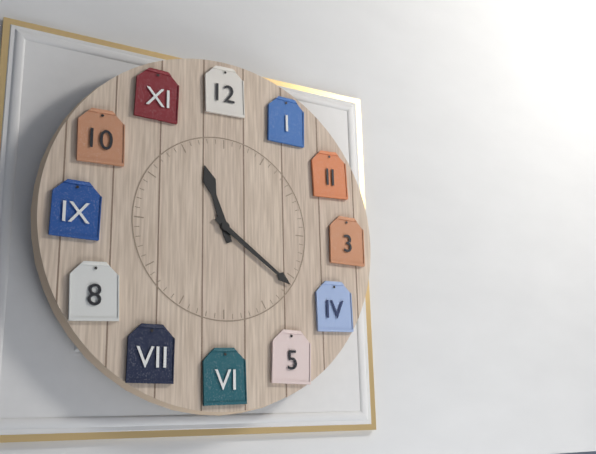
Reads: **11:21**
